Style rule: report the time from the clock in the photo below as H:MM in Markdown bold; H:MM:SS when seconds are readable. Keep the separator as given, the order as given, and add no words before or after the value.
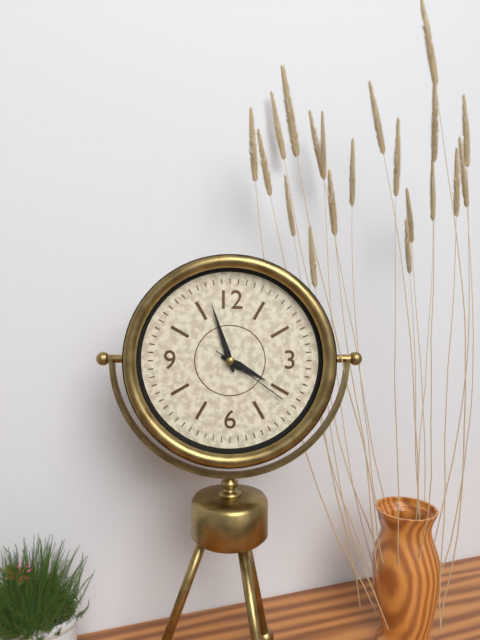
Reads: **3:57:21**
